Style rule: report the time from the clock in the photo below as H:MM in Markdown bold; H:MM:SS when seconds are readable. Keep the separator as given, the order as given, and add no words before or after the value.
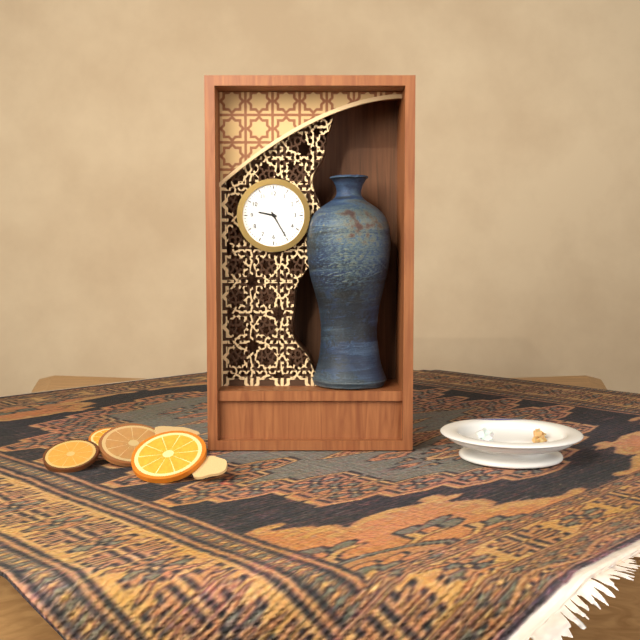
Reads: **9:25**
